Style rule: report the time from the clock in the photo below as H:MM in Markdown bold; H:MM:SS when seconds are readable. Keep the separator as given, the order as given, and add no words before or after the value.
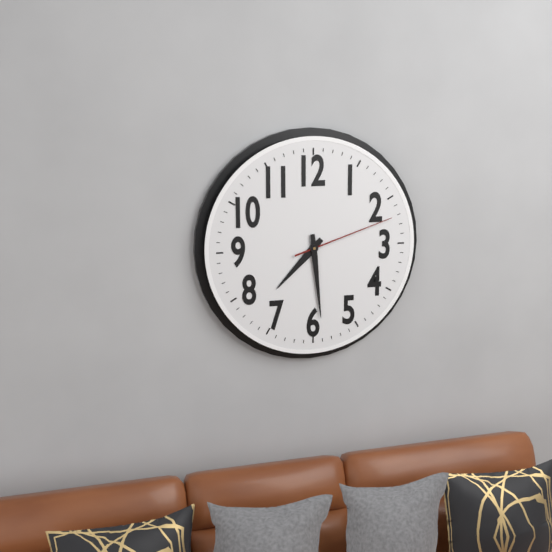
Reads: **7:29:12**
